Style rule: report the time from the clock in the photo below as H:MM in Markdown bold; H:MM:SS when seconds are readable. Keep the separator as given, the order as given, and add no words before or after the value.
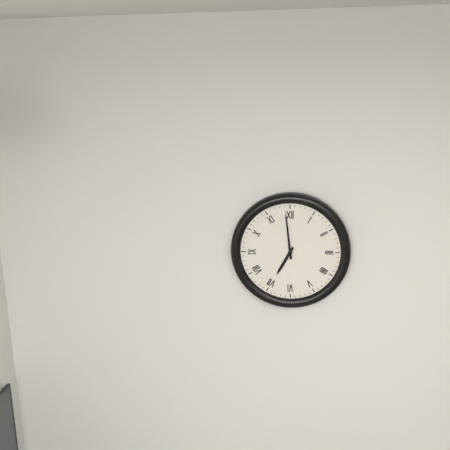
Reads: **6:59**
